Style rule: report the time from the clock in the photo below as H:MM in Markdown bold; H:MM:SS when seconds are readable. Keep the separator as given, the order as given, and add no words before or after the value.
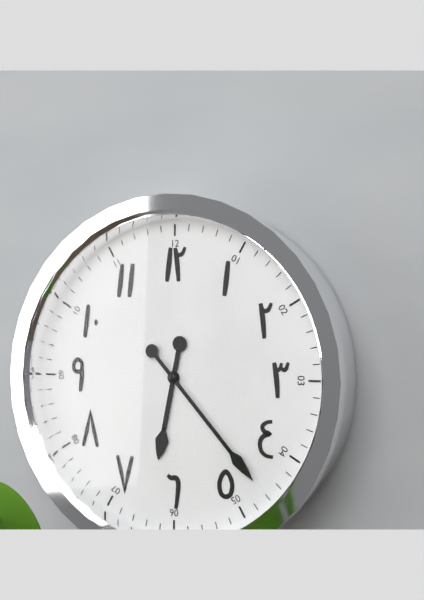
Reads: **6:23**
